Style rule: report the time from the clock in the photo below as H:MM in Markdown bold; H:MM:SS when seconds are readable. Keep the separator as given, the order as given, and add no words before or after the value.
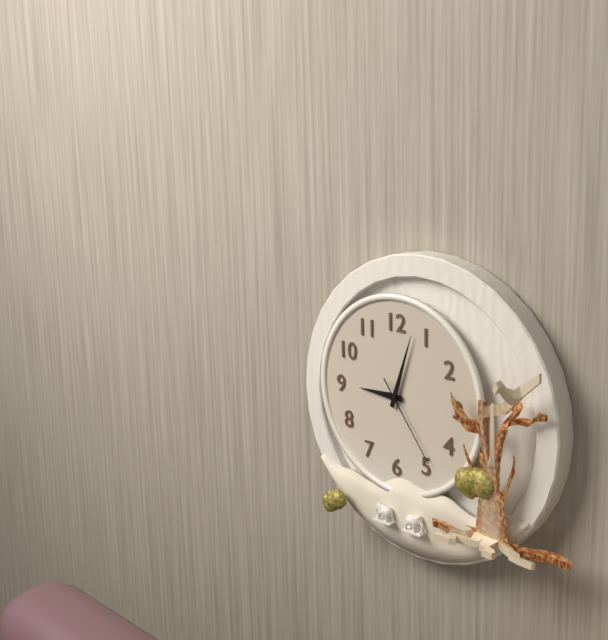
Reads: **9:03:24**
